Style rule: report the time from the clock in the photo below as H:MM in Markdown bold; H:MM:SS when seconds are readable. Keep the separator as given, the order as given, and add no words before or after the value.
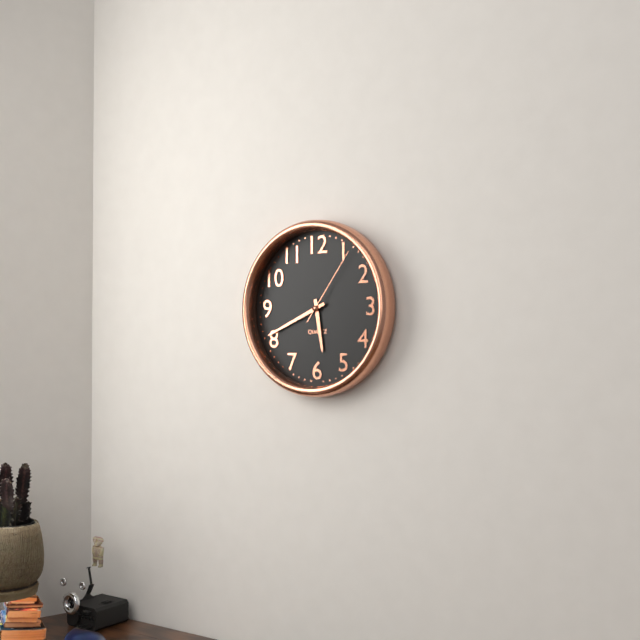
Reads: **5:41:06**
